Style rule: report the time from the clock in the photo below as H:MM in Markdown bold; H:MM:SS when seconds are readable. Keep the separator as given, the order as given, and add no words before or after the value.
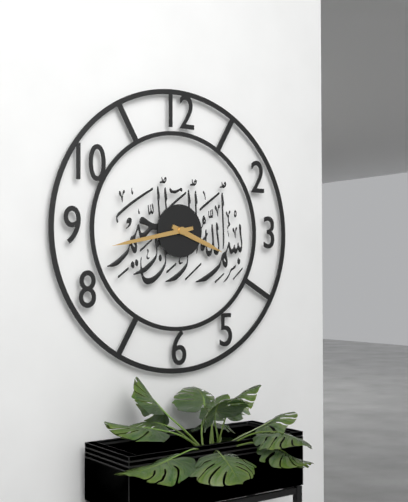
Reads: **3:43**
